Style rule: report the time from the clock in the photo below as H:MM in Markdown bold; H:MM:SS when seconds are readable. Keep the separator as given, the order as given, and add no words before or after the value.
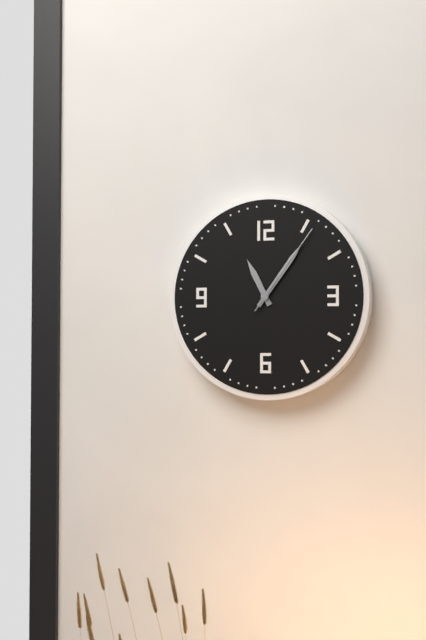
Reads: **11:06:06**
